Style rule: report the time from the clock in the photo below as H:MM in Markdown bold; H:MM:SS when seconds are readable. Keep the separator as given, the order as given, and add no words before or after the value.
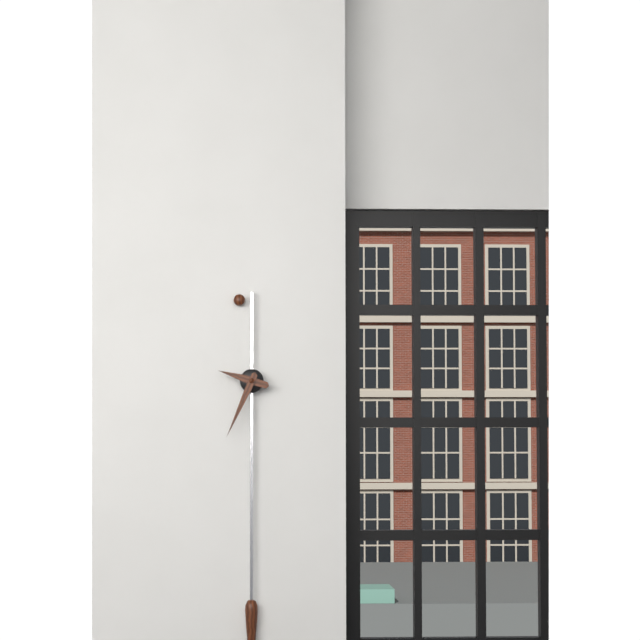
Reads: **9:34**
